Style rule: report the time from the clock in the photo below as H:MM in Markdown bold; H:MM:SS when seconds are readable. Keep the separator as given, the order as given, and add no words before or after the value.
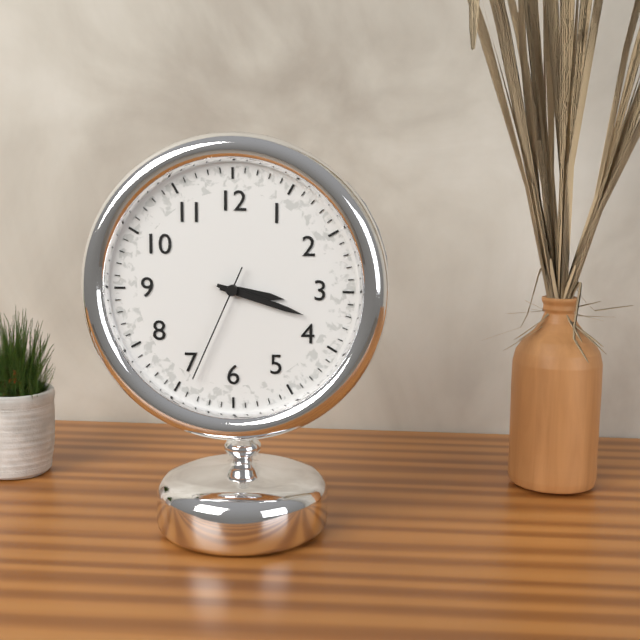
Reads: **3:18:34**
